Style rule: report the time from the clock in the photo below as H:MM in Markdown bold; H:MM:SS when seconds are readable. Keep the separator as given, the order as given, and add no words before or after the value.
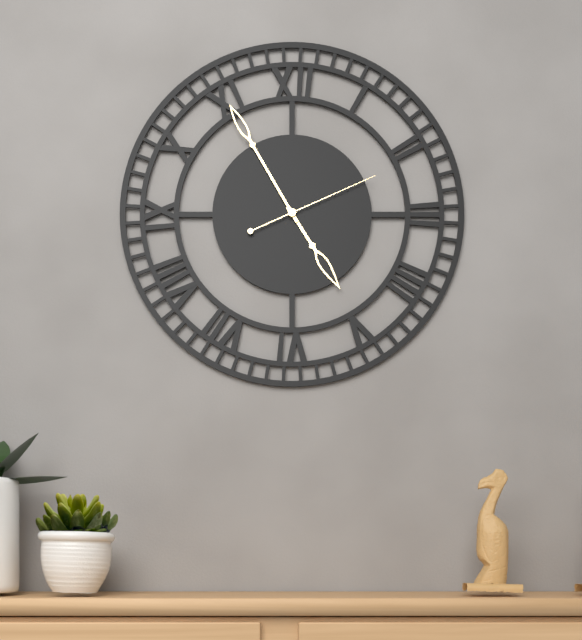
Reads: **4:55:11**
